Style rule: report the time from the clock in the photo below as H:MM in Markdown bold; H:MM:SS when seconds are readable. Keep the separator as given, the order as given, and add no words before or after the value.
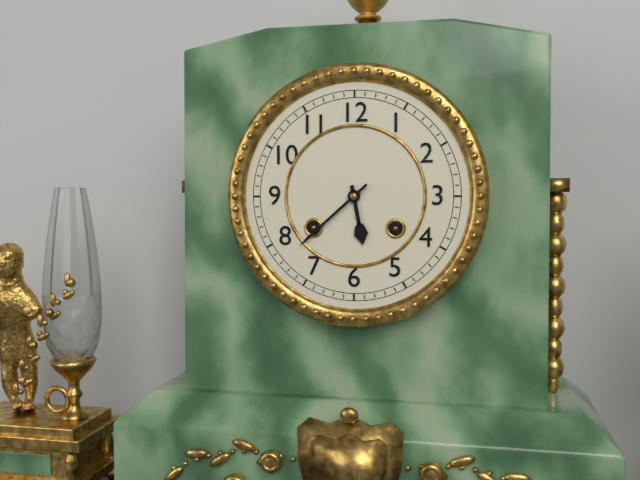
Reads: **5:38**
